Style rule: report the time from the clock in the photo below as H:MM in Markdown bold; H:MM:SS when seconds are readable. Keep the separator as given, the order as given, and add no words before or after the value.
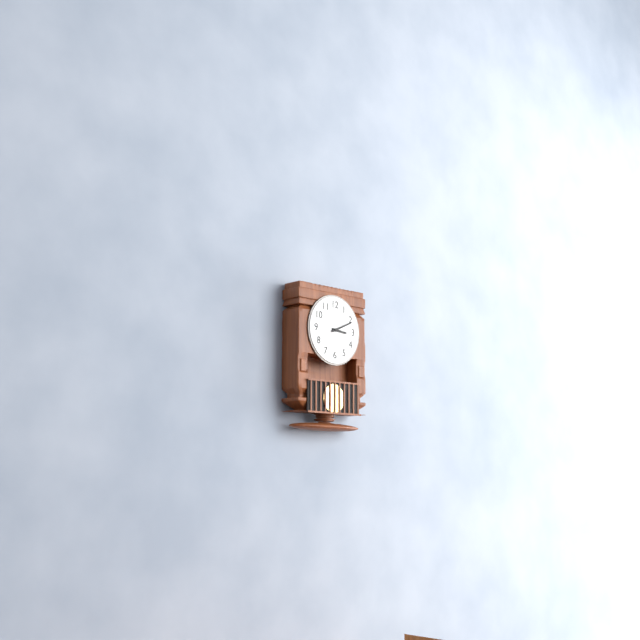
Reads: **3:11**
